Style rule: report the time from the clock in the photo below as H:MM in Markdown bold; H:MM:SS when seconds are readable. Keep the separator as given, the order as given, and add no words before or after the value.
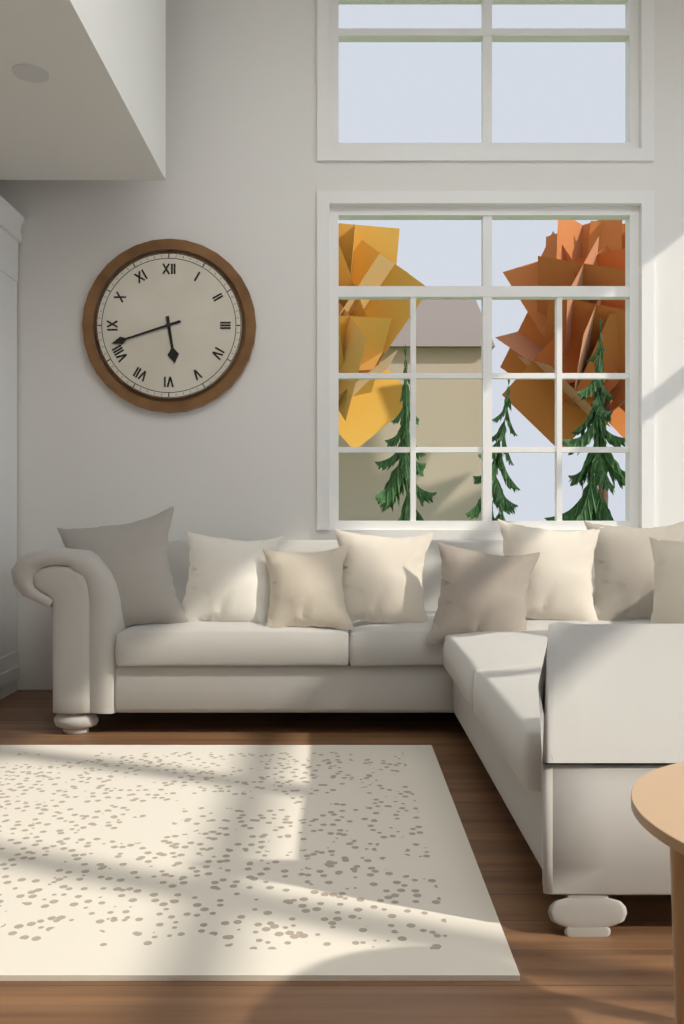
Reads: **5:42**
